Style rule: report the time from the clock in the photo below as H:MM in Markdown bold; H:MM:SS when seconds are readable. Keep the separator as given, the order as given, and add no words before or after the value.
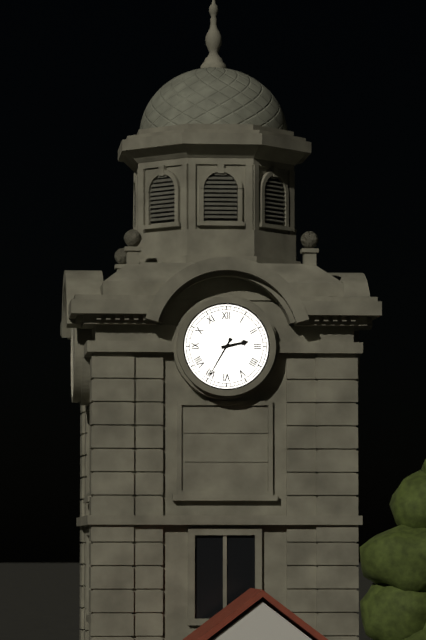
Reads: **2:35**
